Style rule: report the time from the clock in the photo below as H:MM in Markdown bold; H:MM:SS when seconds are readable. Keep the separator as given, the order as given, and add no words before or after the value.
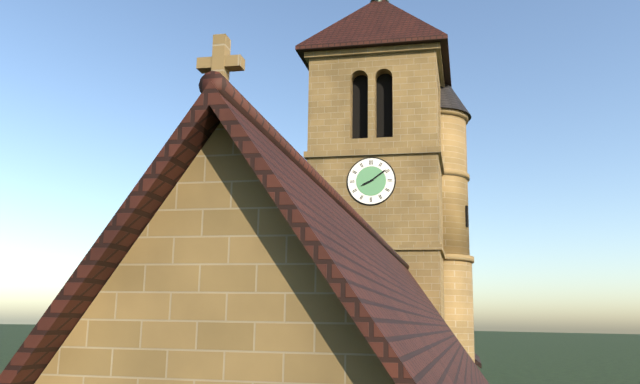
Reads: **8:09**
